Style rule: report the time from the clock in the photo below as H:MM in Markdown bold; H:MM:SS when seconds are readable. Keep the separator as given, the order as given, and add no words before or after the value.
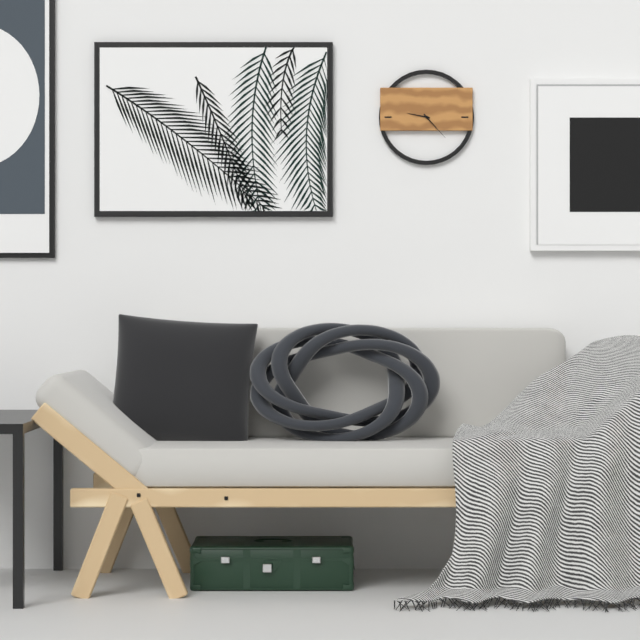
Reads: **9:23**
